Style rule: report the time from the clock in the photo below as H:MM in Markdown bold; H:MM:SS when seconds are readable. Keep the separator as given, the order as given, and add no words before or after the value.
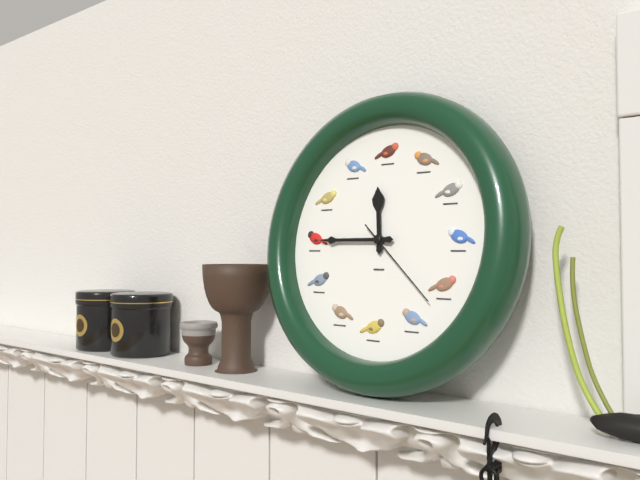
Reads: **11:45:22**
